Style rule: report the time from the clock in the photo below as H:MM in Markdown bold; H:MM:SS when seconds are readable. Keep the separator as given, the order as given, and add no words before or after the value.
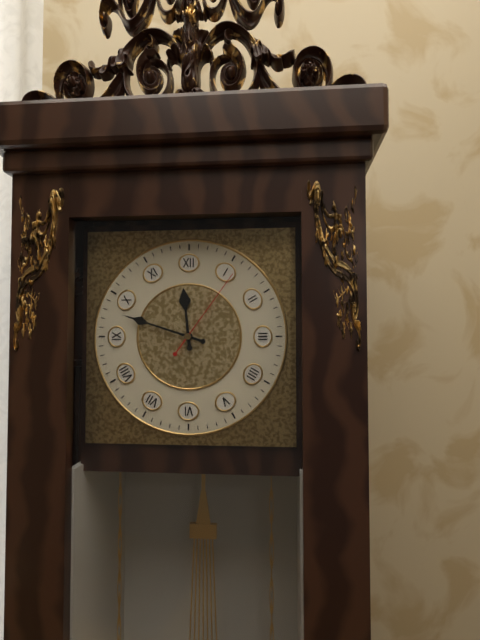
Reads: **11:48:06**
